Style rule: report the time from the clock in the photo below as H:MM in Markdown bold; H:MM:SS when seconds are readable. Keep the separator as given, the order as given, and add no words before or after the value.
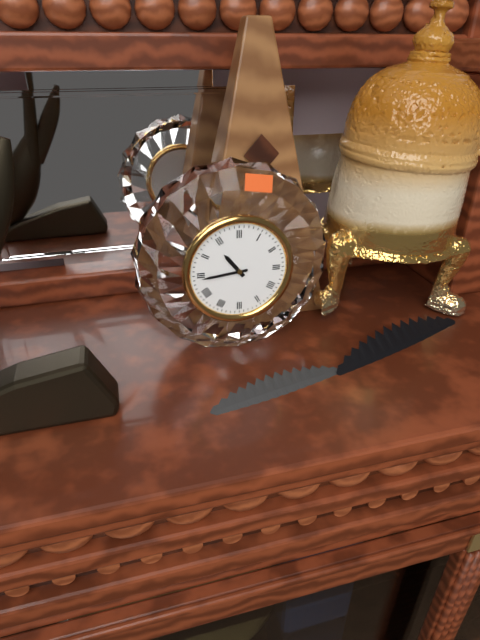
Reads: **10:44**
